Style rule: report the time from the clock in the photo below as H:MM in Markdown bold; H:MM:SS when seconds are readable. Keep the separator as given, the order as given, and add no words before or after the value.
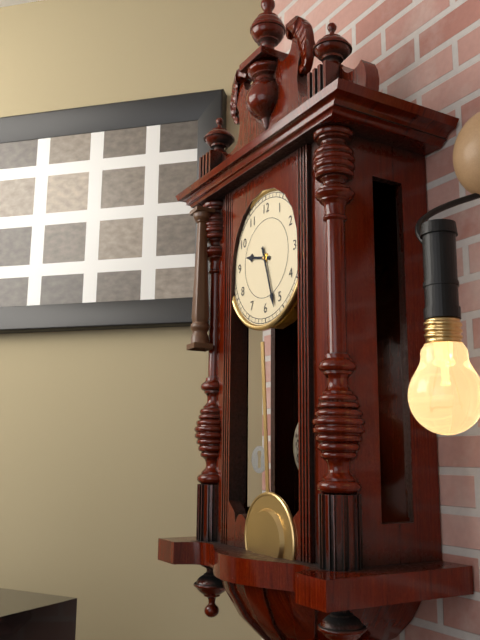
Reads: **9:27**
